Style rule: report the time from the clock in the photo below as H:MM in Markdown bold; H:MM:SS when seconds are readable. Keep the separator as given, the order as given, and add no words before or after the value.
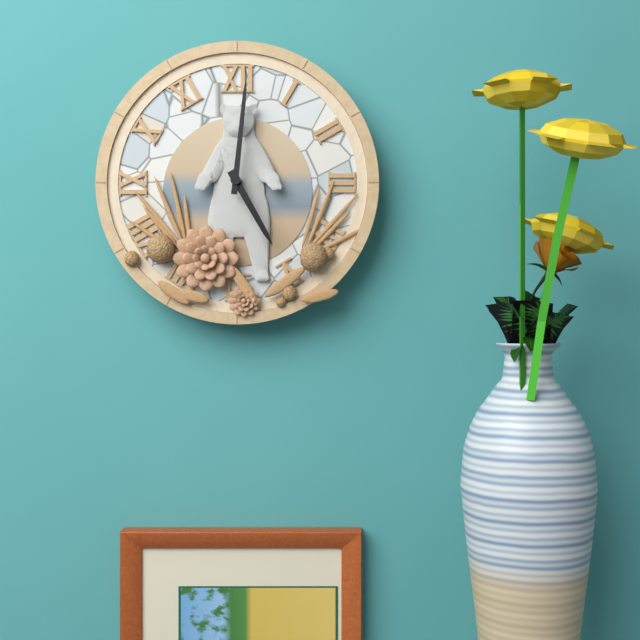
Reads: **5:01**
